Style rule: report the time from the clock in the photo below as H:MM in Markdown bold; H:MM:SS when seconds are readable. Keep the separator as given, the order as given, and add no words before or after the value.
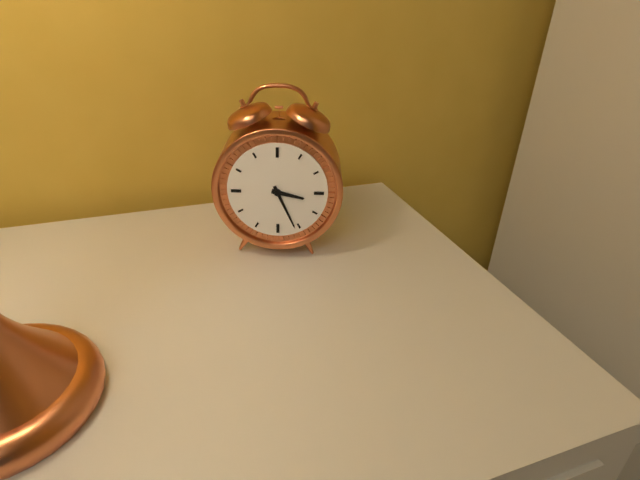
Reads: **3:26**
